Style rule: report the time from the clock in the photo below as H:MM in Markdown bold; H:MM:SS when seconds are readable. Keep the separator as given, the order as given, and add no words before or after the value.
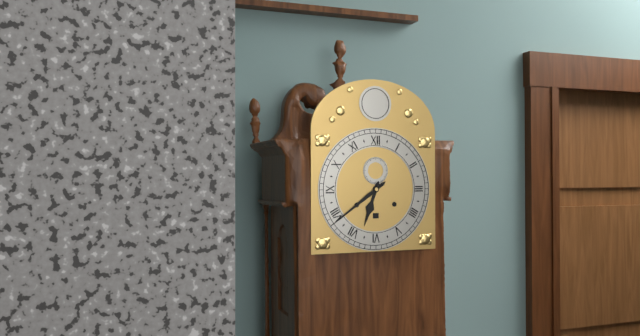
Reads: **6:39**
